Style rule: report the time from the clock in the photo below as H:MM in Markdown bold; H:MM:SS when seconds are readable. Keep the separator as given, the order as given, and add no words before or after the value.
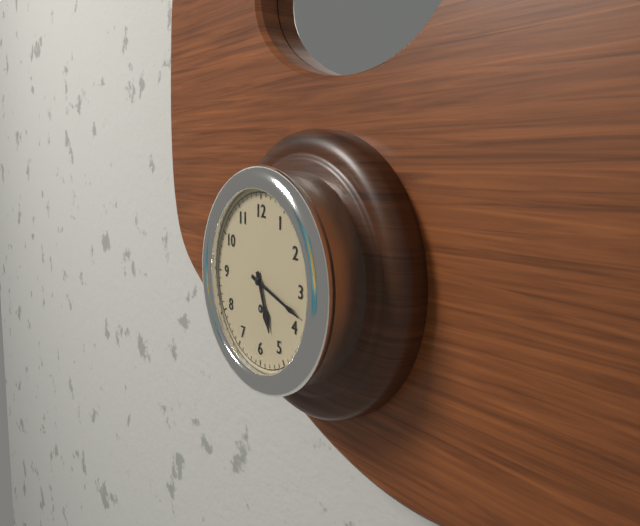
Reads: **5:18**
